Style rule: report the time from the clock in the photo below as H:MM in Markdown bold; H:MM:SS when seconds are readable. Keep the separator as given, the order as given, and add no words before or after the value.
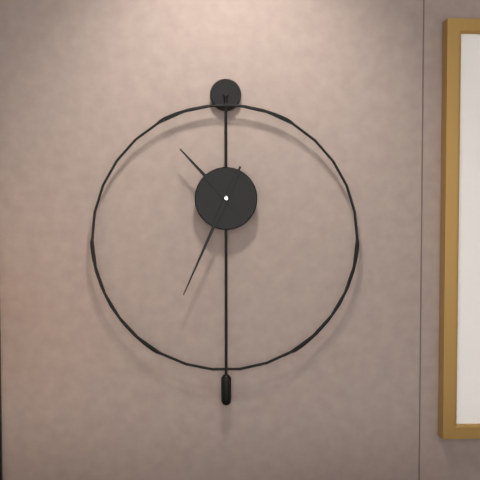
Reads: **10:34**
